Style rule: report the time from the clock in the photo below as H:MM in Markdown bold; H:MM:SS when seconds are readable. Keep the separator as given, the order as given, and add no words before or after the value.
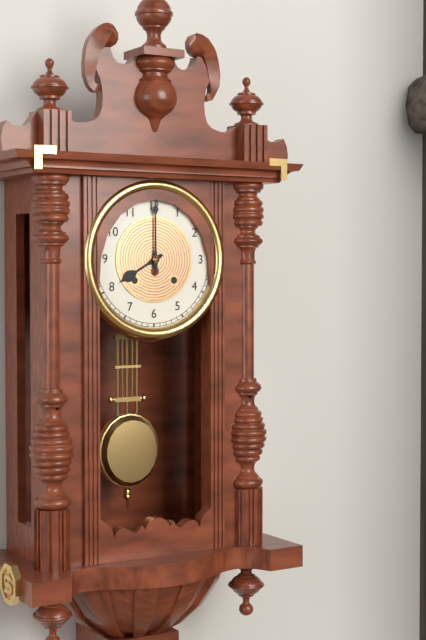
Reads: **8:00**
